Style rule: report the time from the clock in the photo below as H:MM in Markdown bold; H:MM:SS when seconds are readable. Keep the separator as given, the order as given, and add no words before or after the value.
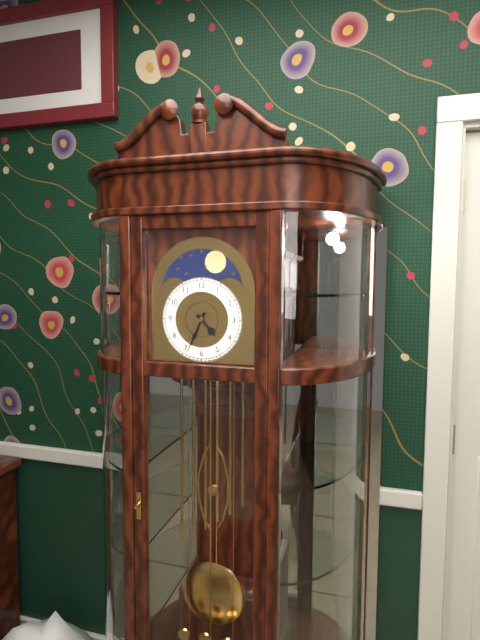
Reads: **4:34**
